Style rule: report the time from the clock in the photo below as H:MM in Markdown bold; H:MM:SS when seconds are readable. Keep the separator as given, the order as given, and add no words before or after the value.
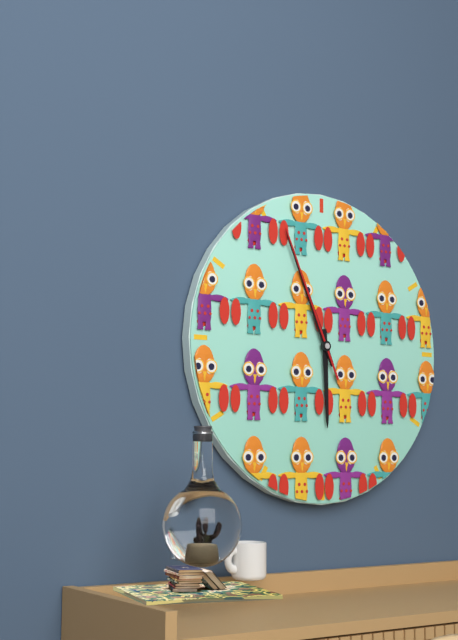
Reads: **5:56:56**
